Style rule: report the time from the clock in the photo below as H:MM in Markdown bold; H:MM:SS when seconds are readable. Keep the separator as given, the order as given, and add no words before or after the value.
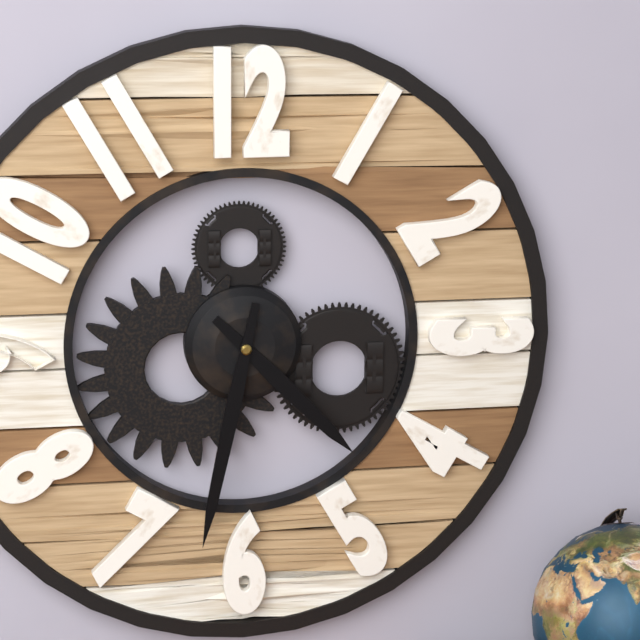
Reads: **4:32**
